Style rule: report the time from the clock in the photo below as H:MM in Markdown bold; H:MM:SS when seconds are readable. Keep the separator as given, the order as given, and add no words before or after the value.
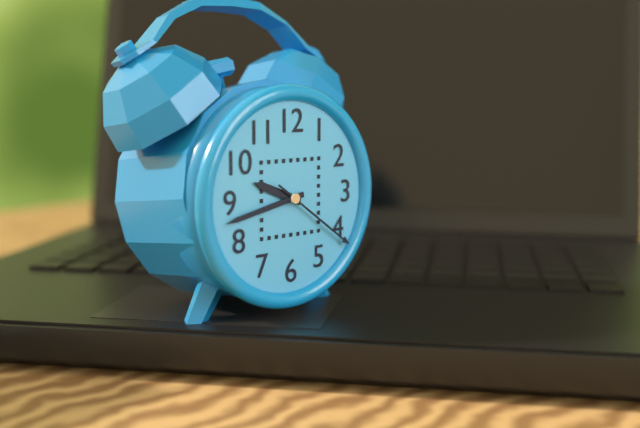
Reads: **9:43:21**
